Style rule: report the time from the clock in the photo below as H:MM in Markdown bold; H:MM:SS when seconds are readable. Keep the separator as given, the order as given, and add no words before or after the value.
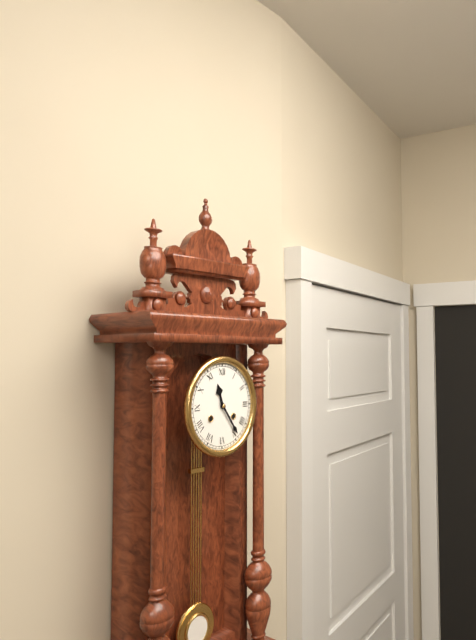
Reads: **11:24**
